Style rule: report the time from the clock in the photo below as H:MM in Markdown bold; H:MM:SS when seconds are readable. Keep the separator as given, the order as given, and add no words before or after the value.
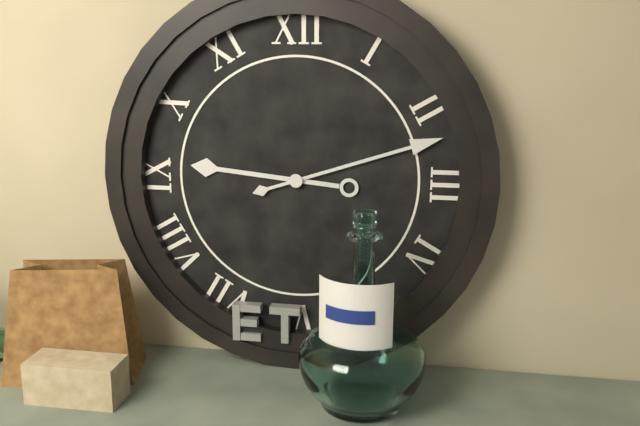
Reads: **9:12**
